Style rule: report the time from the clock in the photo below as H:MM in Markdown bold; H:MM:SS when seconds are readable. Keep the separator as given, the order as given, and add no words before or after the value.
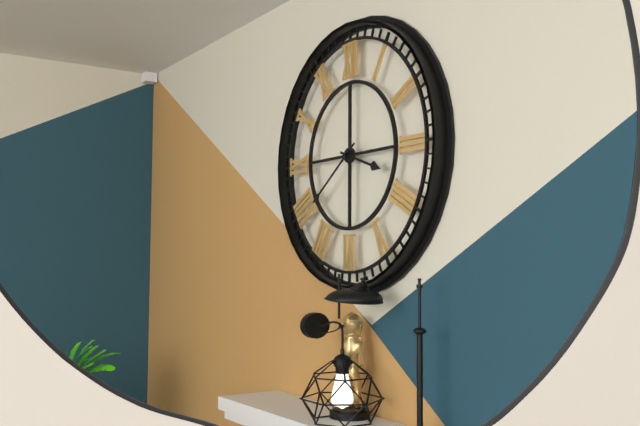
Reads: **3:39**
